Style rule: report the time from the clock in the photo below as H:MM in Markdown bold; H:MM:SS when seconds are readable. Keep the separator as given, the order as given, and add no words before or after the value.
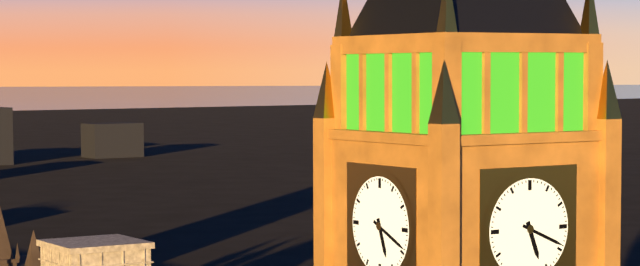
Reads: **5:19**
